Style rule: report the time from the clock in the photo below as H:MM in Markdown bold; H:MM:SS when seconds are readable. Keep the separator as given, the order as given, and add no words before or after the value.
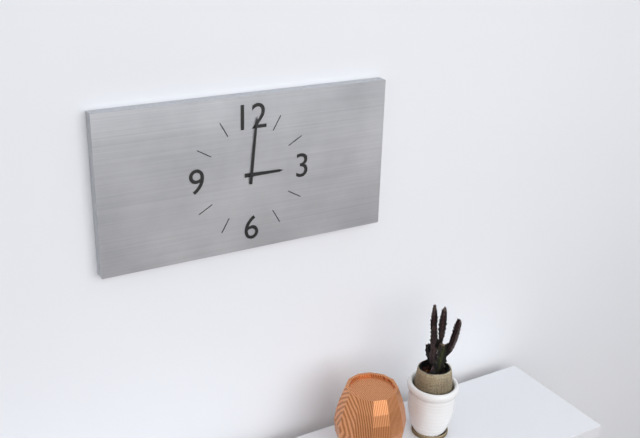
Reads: **3:01**
